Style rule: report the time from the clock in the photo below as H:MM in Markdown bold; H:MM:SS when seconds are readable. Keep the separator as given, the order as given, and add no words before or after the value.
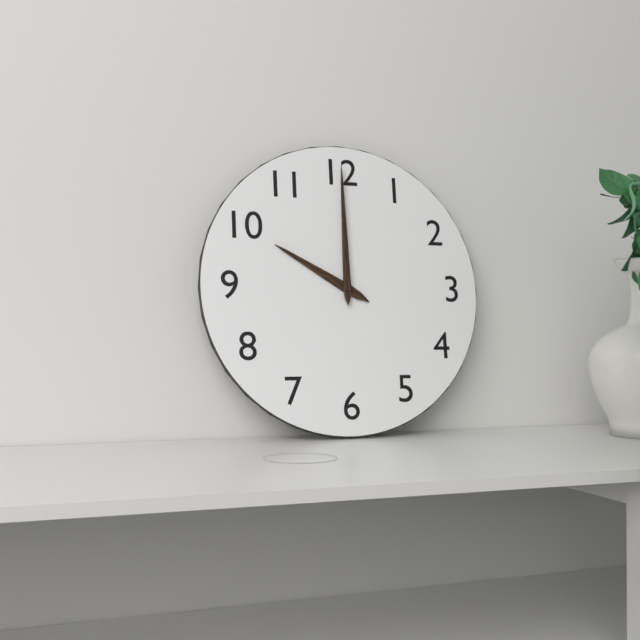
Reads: **10:00**
